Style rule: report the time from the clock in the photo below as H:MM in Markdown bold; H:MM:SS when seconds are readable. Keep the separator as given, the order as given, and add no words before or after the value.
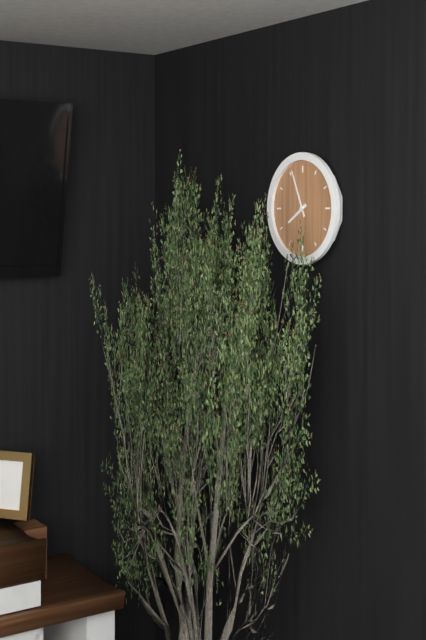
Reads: **7:56**
